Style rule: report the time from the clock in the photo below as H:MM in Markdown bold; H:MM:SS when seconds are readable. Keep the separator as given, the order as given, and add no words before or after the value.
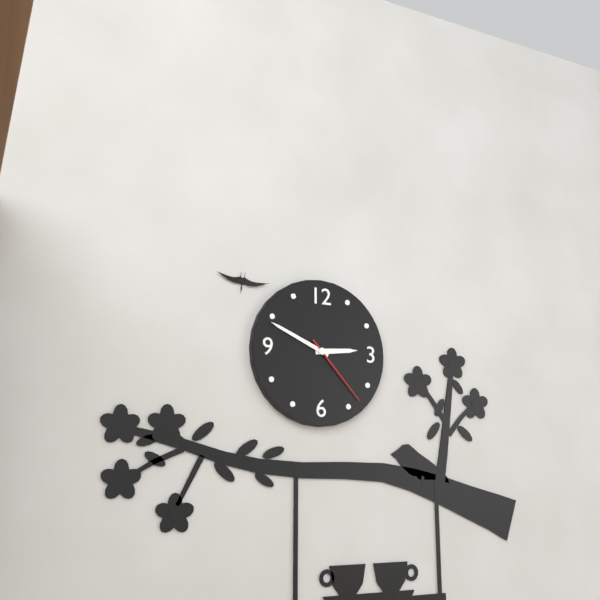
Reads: **2:49:23**
